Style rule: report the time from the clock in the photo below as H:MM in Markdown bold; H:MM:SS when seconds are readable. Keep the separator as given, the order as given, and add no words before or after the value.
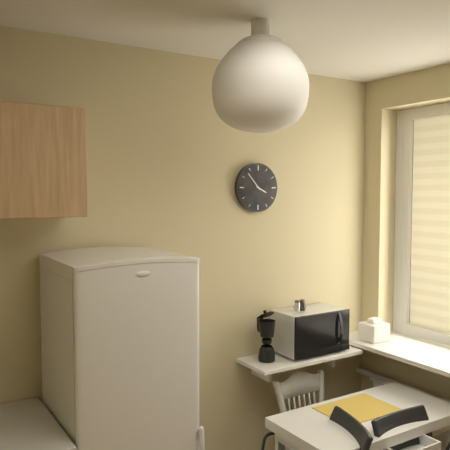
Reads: **3:53**
